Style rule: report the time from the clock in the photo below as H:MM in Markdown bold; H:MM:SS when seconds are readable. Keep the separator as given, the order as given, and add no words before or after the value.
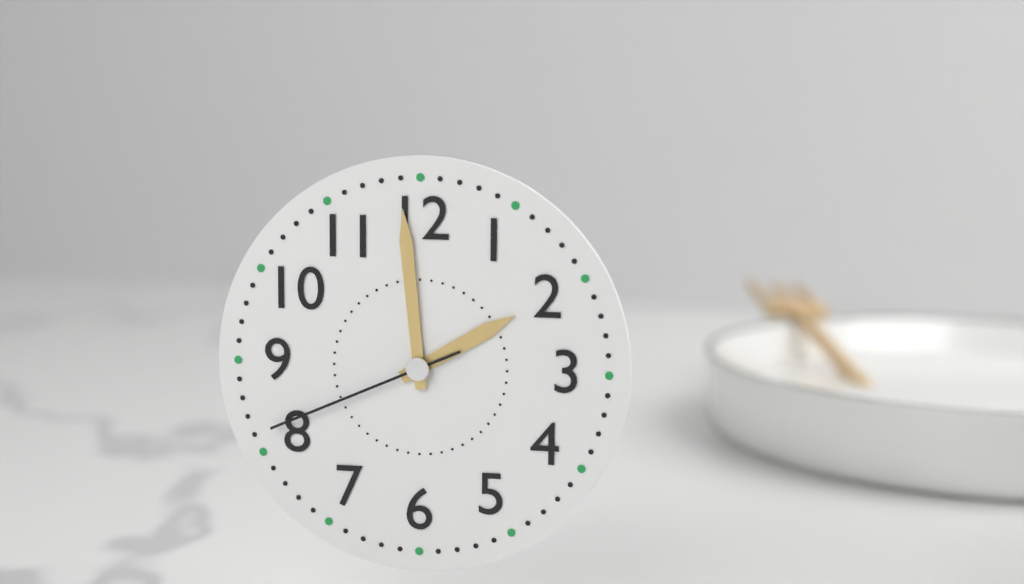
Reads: **1:59:41**
